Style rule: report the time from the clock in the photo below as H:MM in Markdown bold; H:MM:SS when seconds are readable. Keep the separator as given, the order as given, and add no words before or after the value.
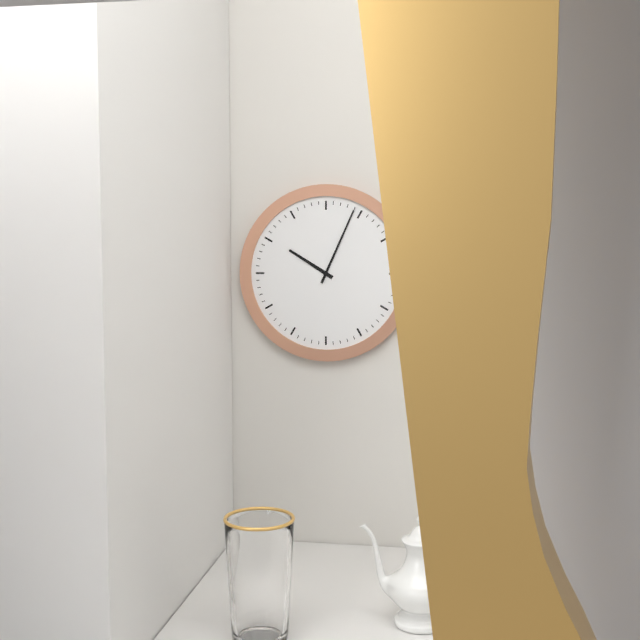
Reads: **10:04**
